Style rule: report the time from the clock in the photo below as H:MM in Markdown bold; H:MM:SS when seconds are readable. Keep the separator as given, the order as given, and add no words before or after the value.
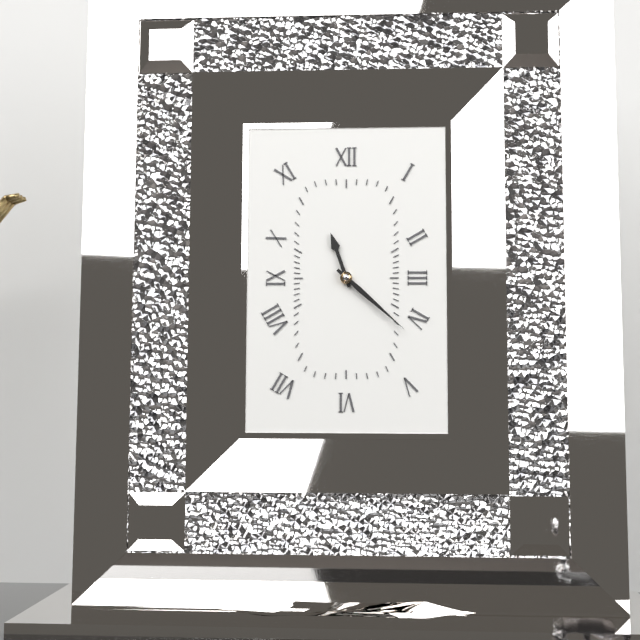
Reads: **11:22**
